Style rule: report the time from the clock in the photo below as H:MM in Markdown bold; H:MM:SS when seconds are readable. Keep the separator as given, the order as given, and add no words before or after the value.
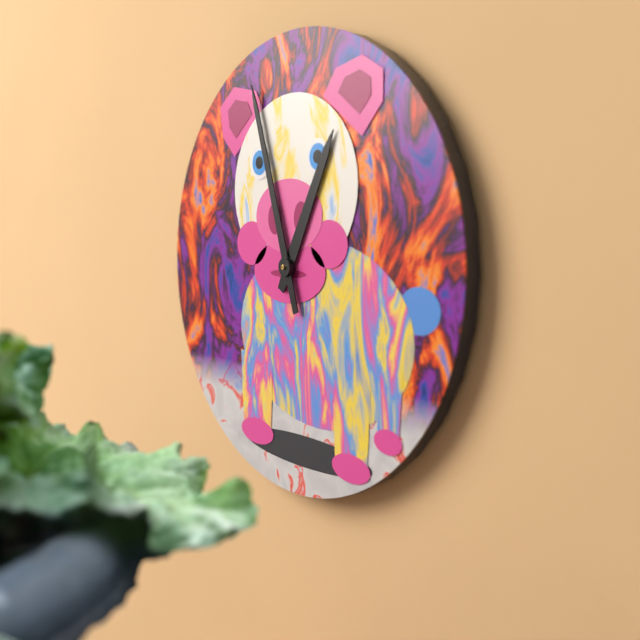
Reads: **12:57**
